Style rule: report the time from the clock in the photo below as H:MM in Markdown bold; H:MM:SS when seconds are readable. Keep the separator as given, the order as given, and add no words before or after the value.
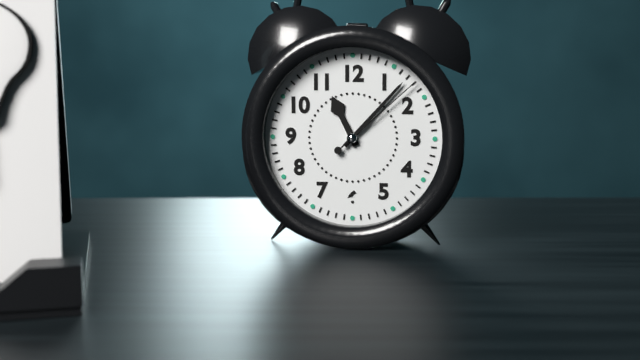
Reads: **11:07:08**
